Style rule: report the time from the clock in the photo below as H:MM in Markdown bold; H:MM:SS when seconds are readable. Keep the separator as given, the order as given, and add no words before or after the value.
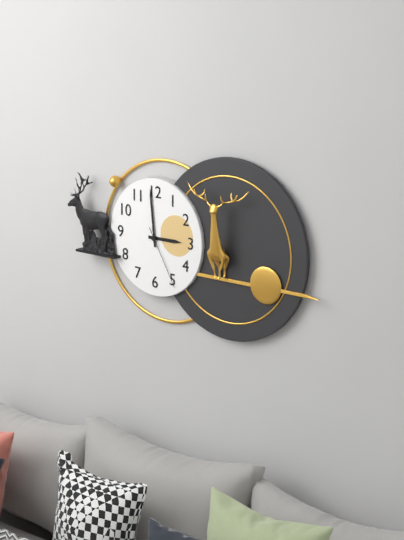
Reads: **2:59:25**
